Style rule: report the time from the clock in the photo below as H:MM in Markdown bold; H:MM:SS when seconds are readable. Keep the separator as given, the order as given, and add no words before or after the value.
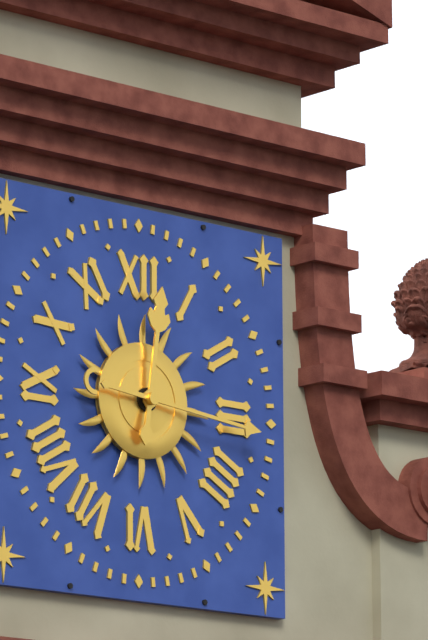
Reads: **12:16**
